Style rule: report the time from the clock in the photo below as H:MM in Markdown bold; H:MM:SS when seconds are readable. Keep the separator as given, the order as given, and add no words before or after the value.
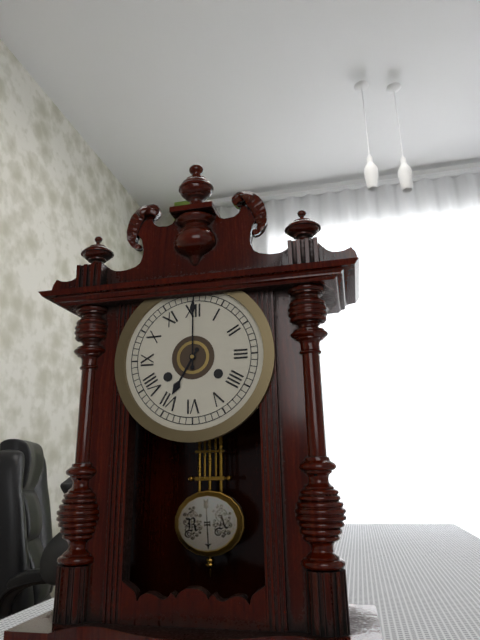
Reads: **7:00**
